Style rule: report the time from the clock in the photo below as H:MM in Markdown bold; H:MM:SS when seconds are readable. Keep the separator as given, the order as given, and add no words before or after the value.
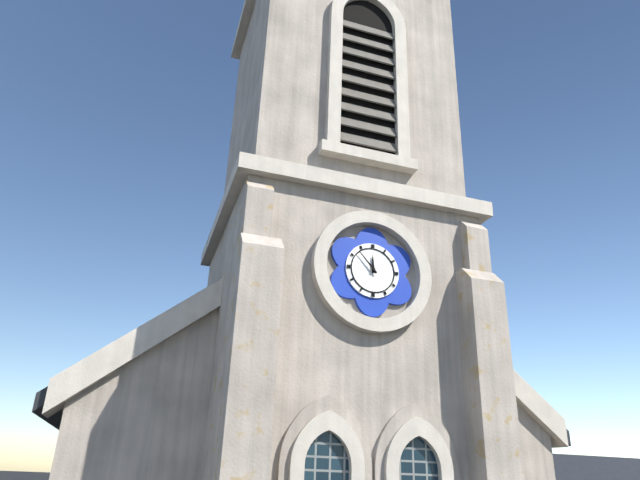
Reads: **11:53**
